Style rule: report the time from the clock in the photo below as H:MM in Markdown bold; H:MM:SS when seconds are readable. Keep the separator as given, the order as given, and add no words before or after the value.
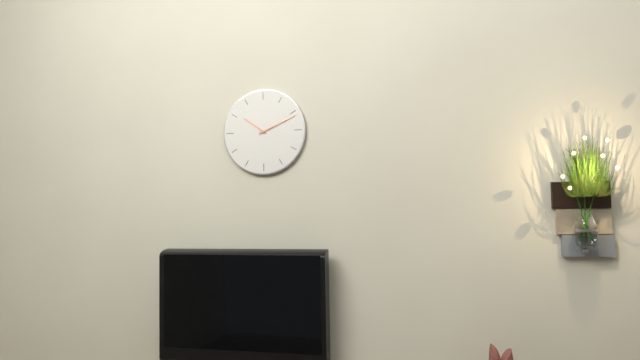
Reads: **10:11**
